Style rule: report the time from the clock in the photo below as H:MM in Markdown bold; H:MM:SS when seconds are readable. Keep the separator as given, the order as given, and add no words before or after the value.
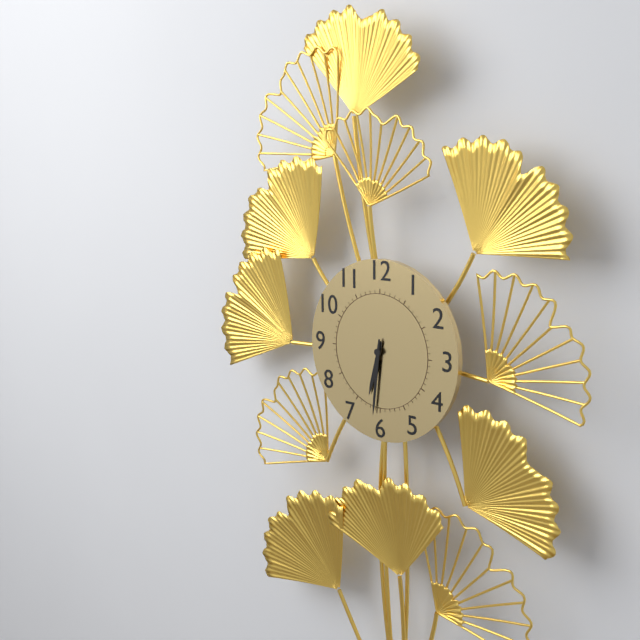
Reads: **6:31**
